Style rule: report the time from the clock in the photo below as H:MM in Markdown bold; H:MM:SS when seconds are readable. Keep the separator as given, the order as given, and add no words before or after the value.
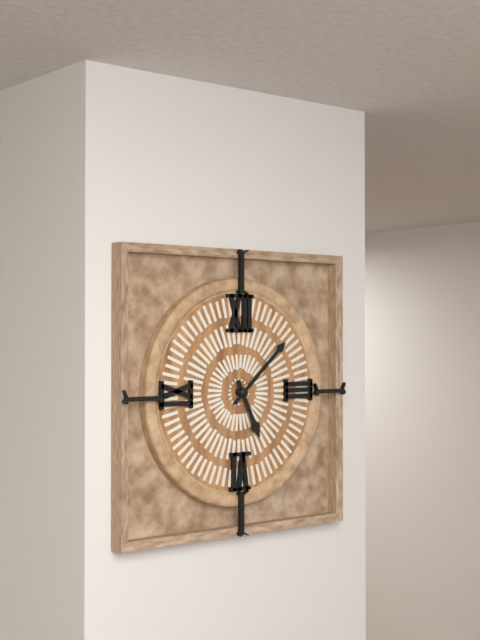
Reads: **5:08**
